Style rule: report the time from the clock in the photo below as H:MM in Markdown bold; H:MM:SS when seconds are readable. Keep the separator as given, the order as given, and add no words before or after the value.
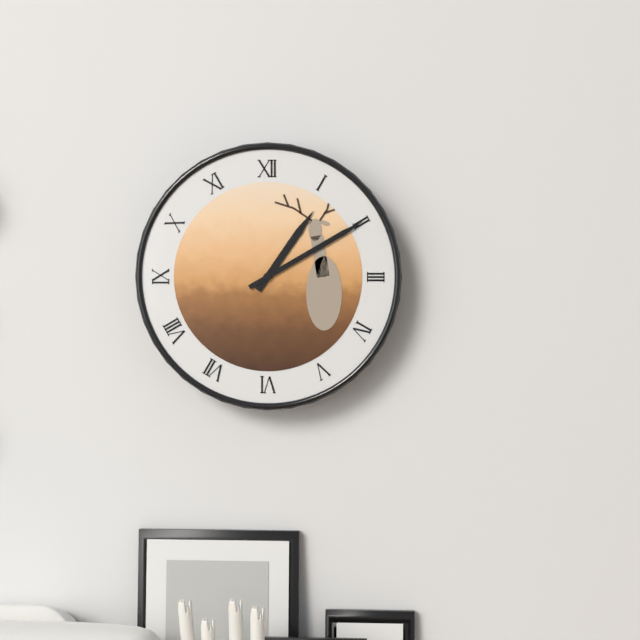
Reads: **1:10**
